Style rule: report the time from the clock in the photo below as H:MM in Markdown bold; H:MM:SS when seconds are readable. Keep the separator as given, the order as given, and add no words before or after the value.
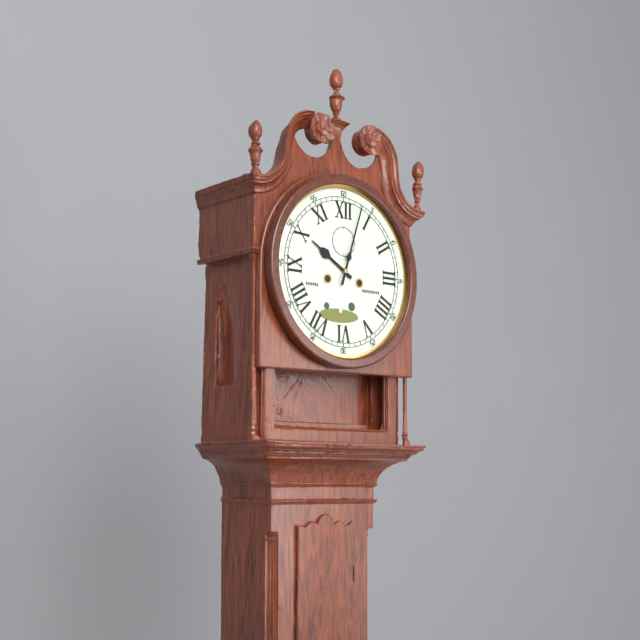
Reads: **10:03**
